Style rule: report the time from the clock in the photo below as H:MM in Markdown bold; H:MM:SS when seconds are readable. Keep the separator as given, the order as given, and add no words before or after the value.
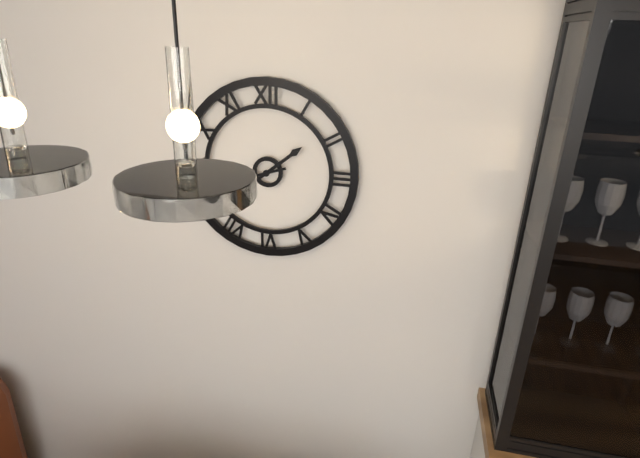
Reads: **1:42**
